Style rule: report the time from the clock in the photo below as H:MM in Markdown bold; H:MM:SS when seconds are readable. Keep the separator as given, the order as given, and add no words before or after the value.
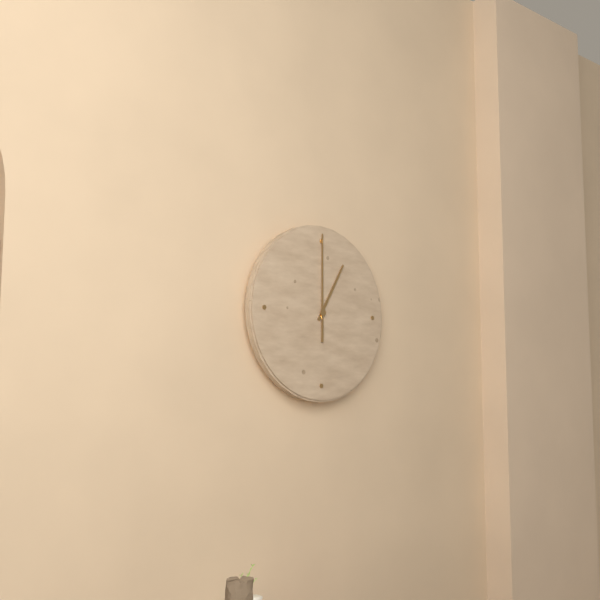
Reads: **1:00**
